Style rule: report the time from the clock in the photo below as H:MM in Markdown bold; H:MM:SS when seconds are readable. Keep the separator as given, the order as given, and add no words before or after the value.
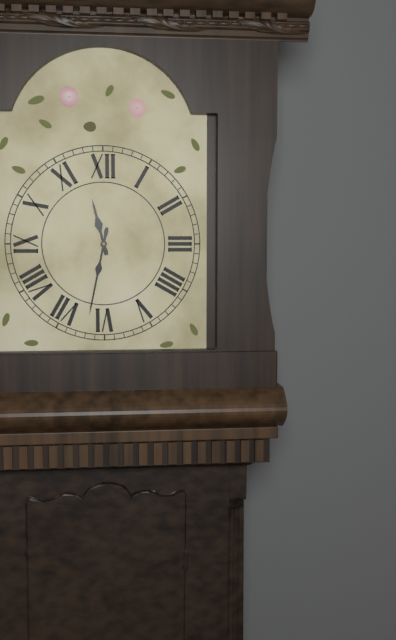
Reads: **11:32**
